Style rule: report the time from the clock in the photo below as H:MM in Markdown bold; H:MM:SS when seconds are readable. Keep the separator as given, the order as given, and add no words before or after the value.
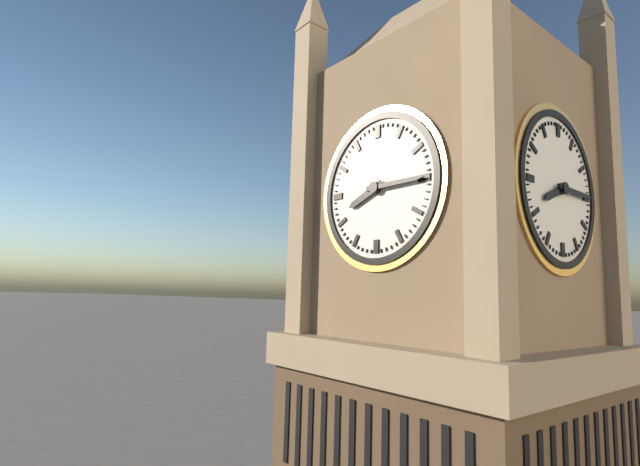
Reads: **8:15**
